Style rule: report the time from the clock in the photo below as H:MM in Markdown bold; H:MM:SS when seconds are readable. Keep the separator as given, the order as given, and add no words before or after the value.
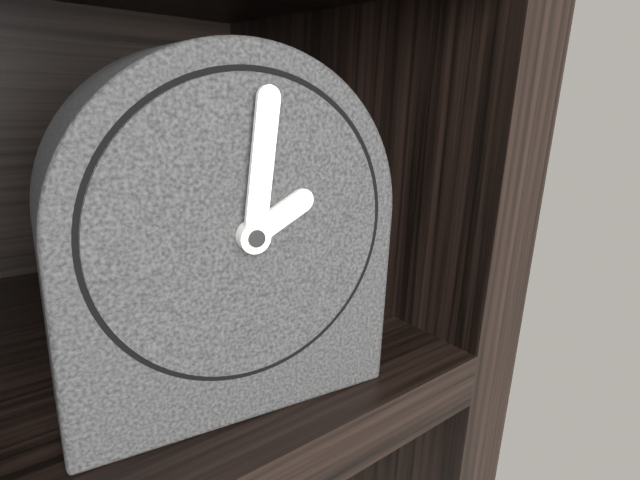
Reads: **2:01**
